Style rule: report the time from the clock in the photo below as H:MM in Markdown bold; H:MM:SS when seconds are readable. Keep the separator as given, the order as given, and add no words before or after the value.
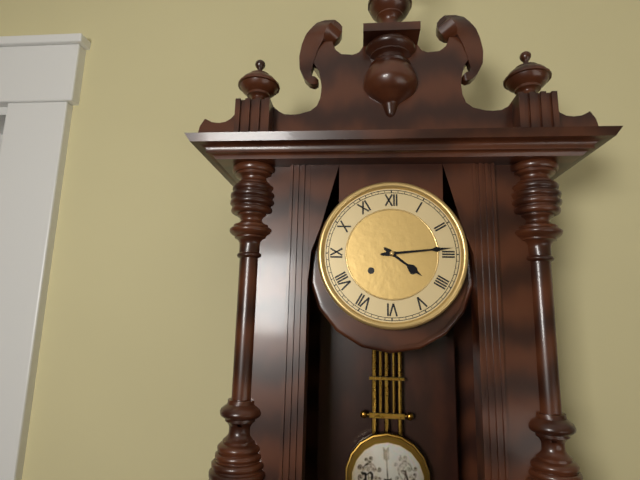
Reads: **4:14**
